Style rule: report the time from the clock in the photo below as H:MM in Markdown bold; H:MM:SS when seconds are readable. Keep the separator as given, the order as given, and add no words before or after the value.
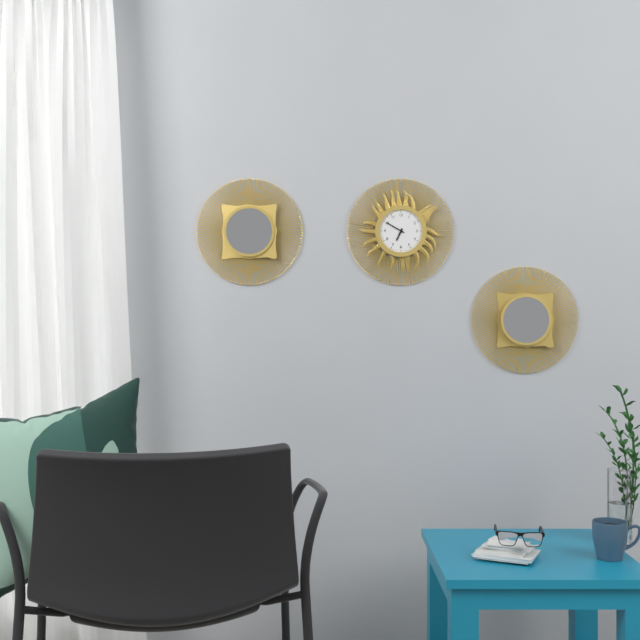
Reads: **6:50**
